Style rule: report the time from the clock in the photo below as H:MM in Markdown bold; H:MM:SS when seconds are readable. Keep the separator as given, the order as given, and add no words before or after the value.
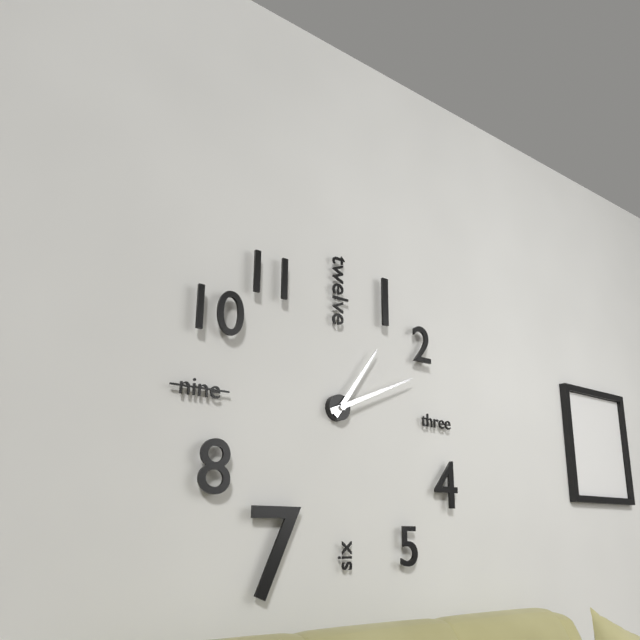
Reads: **1:11**
